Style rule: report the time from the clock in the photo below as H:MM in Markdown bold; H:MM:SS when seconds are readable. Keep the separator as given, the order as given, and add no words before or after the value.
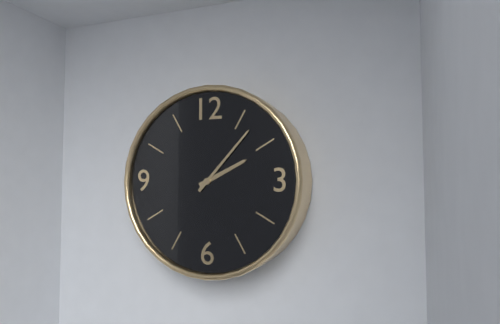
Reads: **2:07**
